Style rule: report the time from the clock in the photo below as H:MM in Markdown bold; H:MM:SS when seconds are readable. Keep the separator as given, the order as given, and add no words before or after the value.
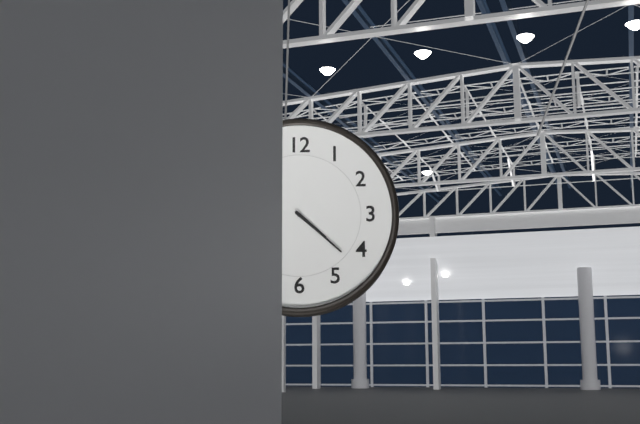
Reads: **4:22**
